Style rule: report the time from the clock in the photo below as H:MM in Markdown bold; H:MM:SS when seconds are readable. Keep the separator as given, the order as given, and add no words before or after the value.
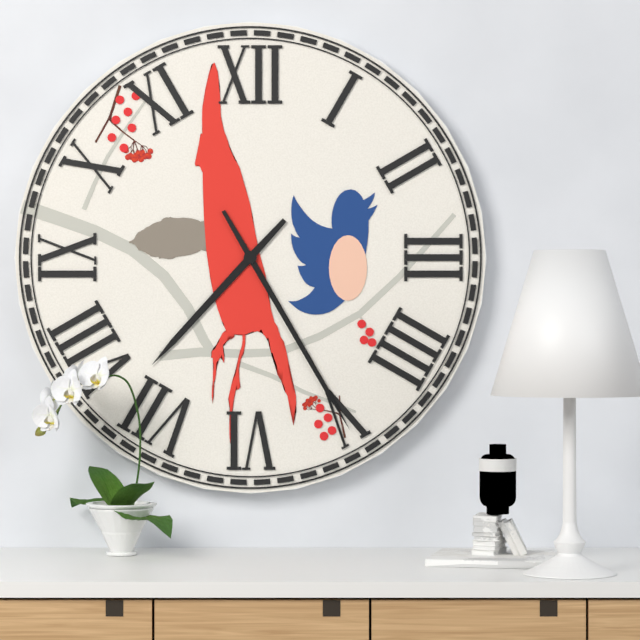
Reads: **7:25**
